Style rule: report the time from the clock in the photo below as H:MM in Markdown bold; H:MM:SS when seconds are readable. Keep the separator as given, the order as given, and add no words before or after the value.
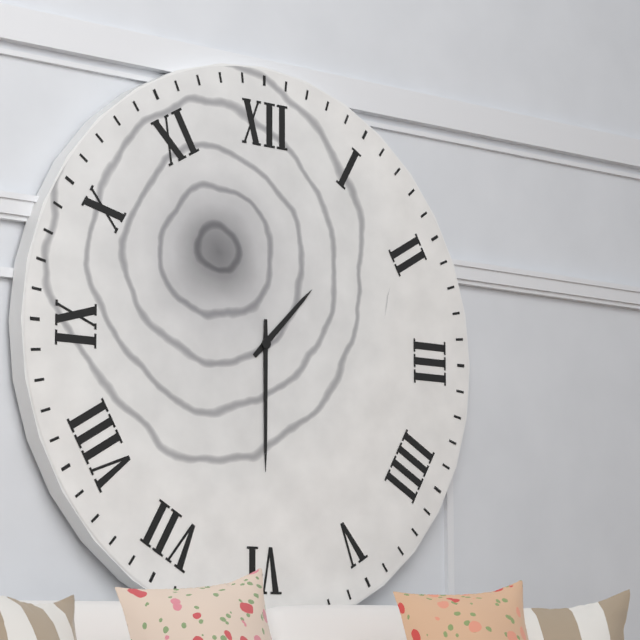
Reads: **1:30**
